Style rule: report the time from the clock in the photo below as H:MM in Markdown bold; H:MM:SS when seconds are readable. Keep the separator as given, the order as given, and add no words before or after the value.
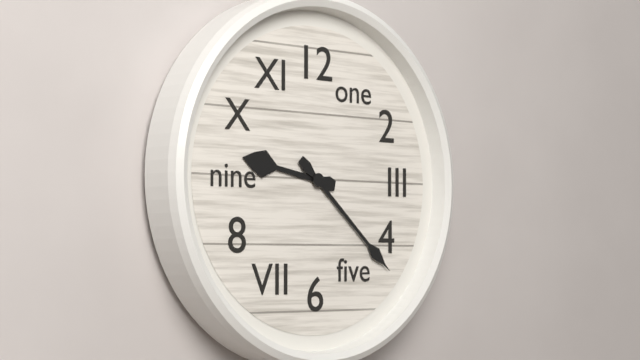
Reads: **9:22**
